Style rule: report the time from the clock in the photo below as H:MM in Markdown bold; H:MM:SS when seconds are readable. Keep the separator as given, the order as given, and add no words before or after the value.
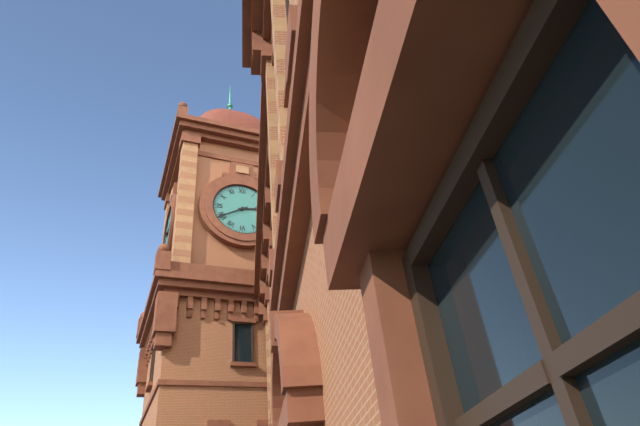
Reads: **2:40**
